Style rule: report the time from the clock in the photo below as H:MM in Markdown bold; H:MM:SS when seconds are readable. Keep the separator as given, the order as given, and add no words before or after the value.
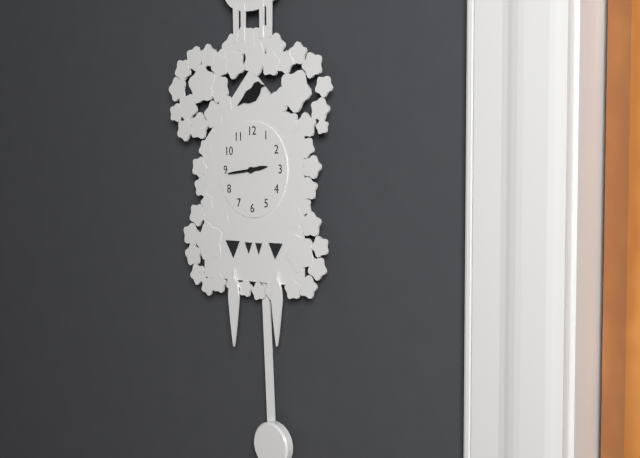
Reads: **2:44**
